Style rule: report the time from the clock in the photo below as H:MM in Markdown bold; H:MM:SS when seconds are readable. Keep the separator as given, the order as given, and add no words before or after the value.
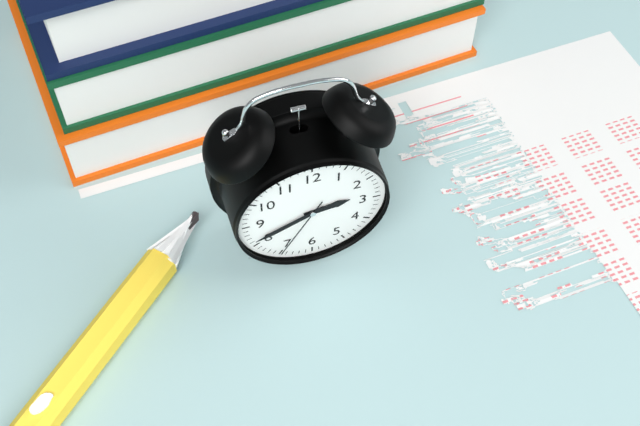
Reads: **2:41:35**
